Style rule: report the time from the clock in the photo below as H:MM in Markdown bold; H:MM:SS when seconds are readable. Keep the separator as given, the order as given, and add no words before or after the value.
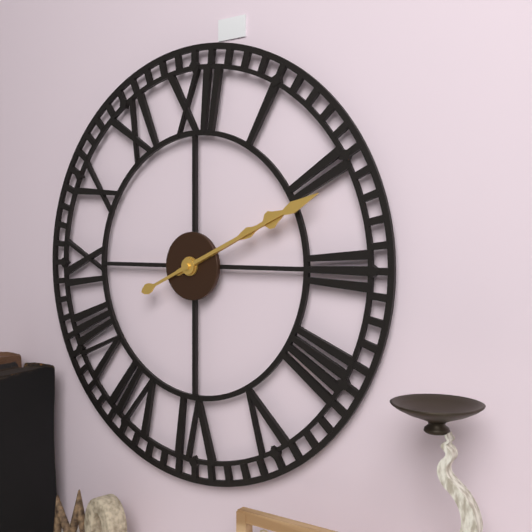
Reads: **2:11**
